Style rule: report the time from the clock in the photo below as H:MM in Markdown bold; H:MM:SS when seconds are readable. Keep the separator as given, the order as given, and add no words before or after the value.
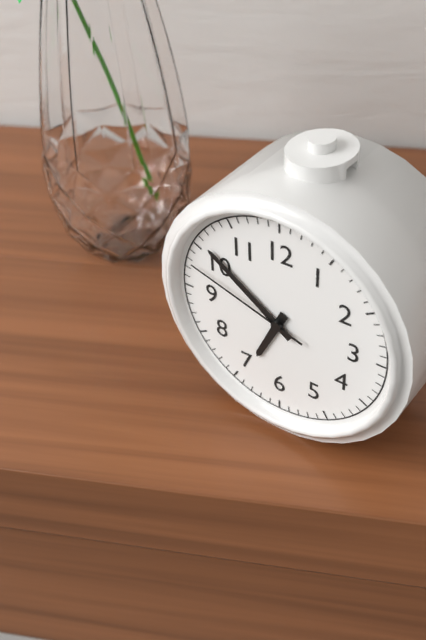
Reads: **6:51:48**
